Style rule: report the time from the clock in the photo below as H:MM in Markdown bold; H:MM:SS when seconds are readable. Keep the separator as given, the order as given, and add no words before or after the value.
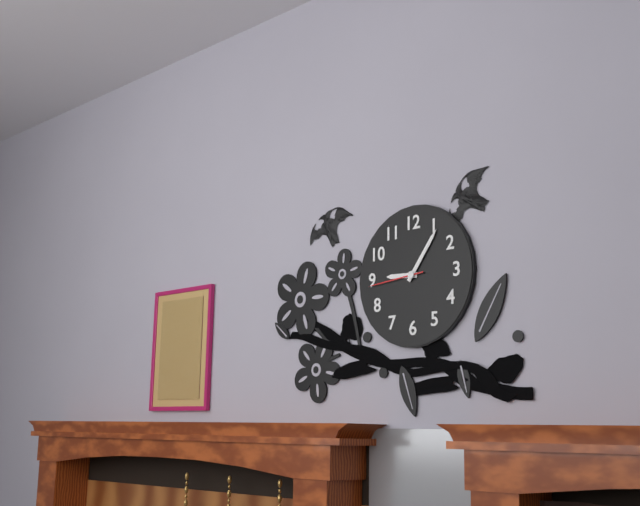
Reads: **9:06:44**
